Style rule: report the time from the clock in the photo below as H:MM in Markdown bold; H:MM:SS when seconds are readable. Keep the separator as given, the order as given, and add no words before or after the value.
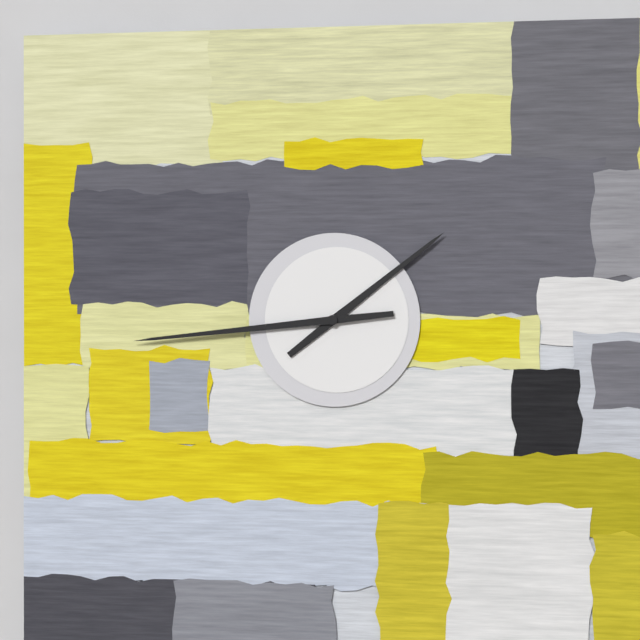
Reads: **1:44**
